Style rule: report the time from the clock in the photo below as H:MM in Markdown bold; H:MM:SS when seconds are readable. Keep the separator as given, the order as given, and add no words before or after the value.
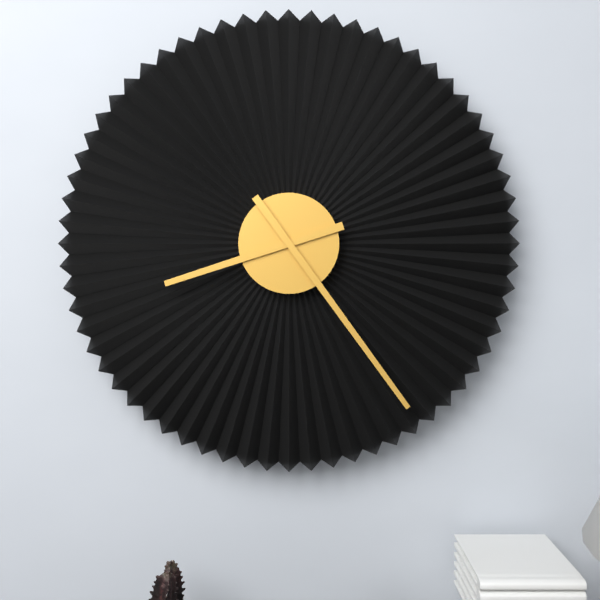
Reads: **8:24**
